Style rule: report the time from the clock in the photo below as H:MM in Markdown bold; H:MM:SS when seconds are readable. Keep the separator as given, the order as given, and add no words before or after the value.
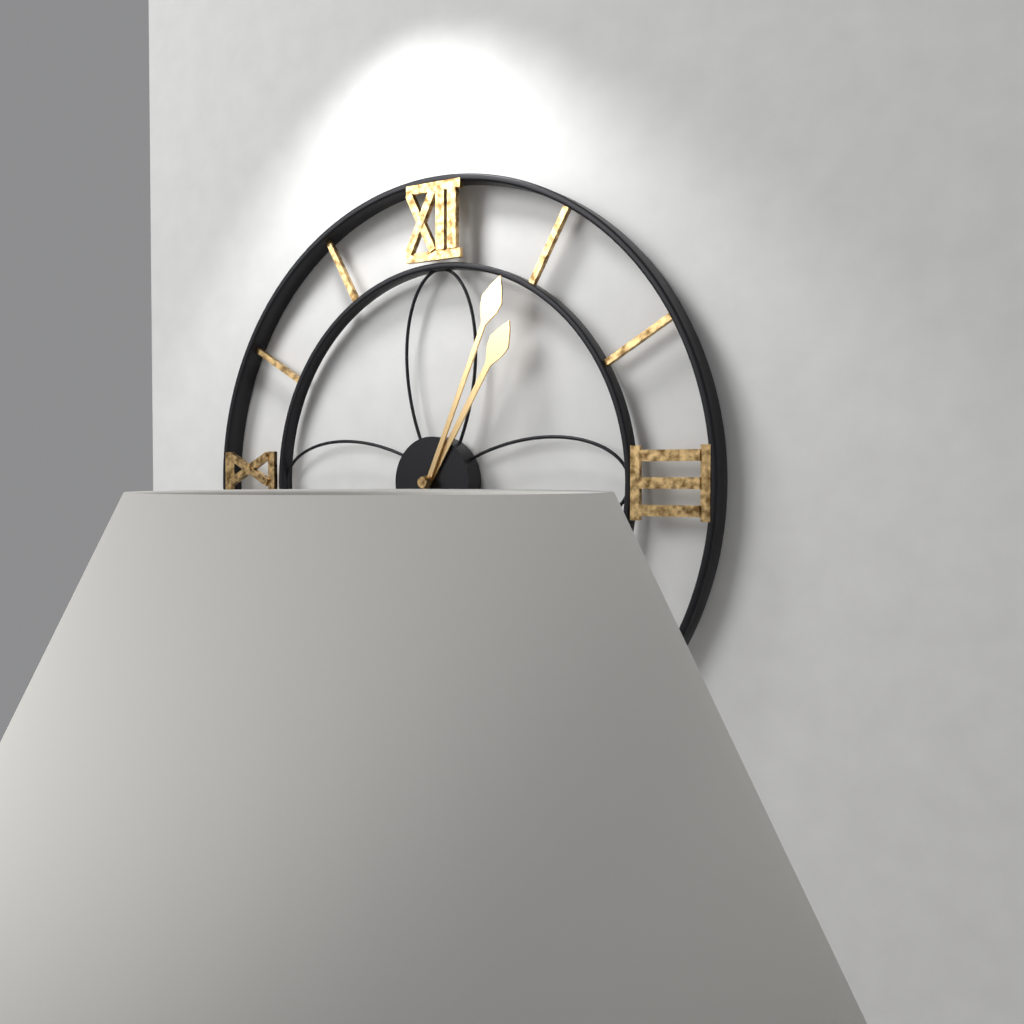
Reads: **1:04**
